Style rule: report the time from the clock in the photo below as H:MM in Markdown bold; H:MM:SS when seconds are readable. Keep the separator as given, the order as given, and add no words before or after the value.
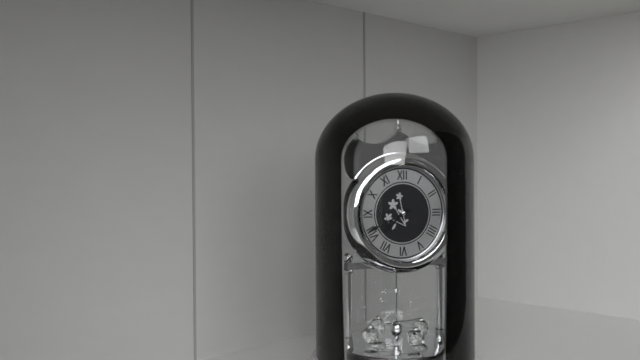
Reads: **7:41**
